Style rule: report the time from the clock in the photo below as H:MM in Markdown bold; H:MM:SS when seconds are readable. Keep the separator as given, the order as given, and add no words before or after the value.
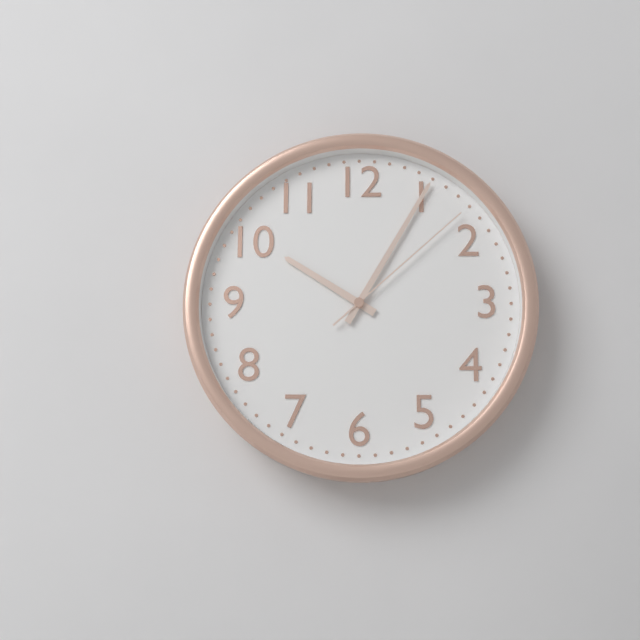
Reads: **10:05:08**
